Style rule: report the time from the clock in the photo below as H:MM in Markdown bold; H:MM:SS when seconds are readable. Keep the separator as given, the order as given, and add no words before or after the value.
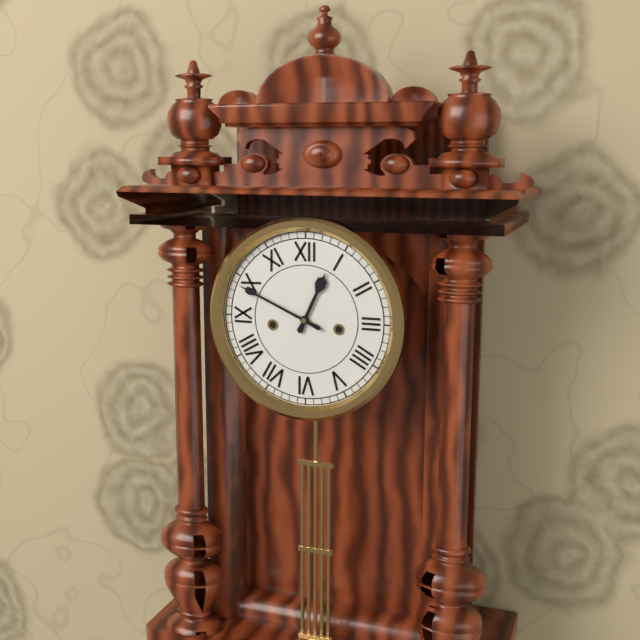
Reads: **12:49**
